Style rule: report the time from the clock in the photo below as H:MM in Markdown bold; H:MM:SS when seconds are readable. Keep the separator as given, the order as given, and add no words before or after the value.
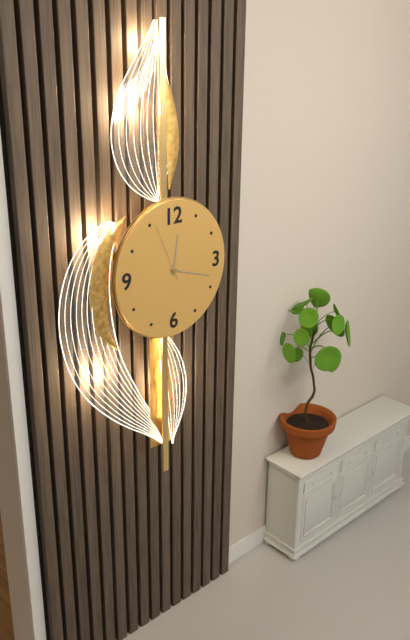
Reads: **12:18:56**
